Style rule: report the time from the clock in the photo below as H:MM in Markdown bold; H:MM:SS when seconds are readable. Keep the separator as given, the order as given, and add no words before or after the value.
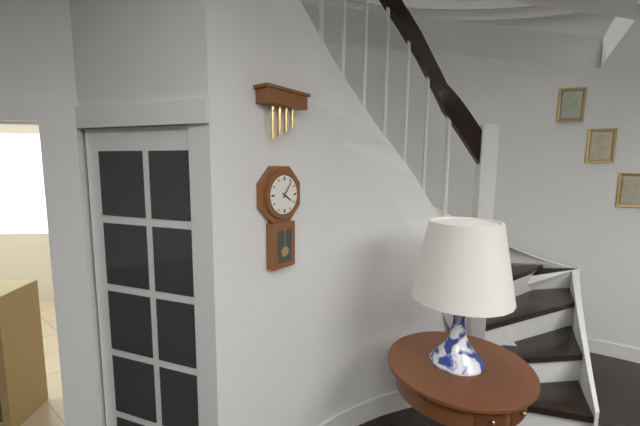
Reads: **4:06**
